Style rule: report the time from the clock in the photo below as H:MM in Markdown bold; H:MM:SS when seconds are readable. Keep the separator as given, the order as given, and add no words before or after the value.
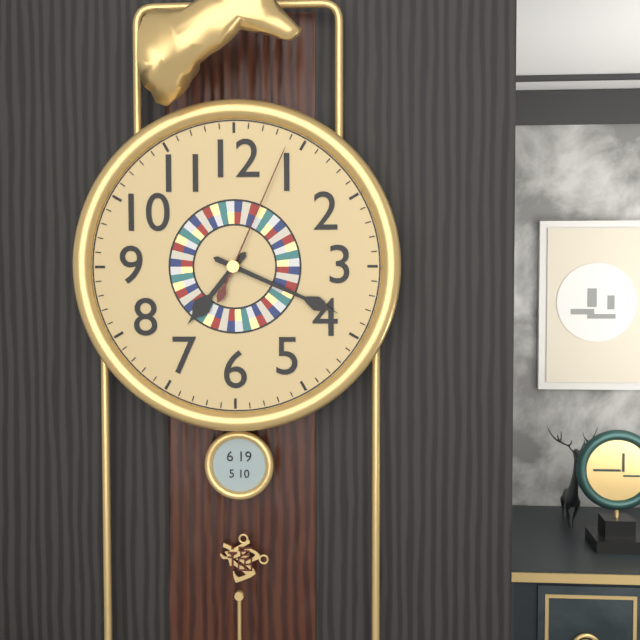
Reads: **7:19:04**
